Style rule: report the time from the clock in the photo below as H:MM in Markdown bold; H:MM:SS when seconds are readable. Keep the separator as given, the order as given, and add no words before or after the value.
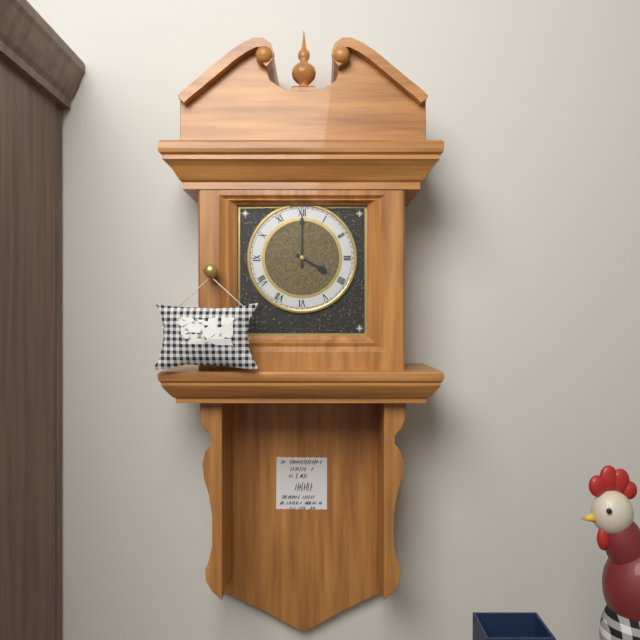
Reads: **4:00**
